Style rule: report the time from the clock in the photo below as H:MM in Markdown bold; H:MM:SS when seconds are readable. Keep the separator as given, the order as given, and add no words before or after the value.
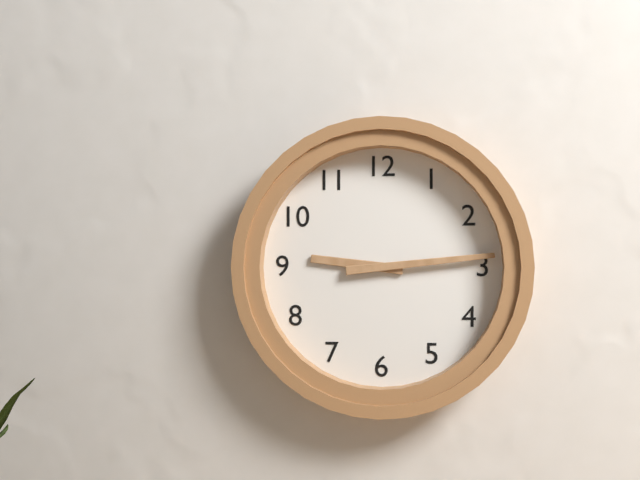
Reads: **9:14**
